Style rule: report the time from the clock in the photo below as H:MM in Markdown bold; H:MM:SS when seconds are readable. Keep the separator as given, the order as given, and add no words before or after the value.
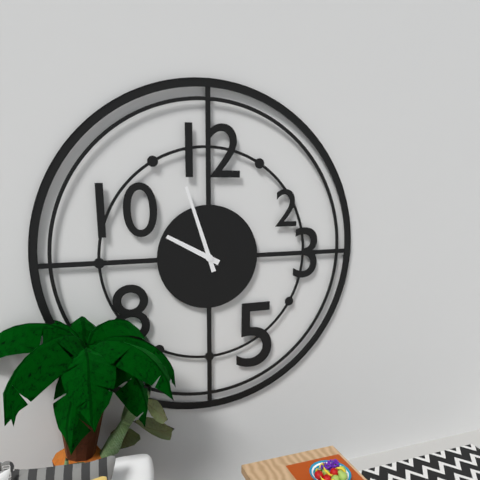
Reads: **9:57**
